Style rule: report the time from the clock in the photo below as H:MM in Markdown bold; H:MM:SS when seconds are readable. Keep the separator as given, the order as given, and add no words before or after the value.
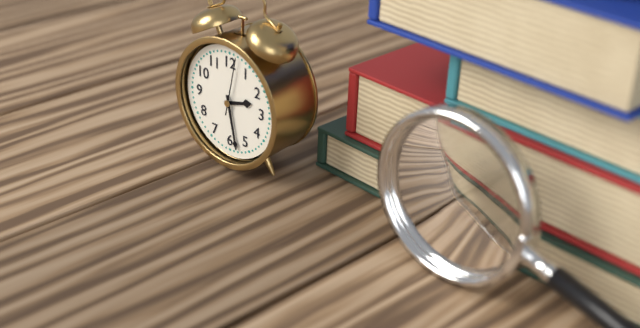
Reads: **2:28:02**
